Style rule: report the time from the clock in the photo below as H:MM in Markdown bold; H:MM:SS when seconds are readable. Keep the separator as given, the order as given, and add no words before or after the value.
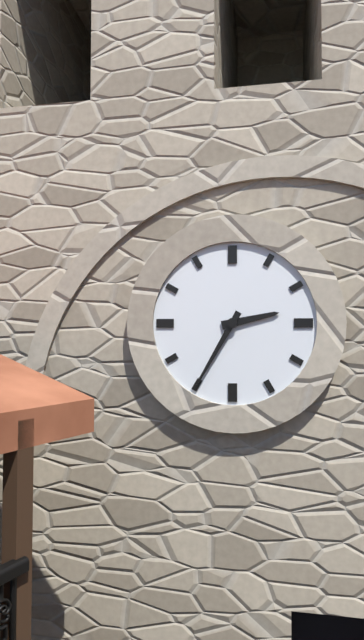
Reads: **2:35**
